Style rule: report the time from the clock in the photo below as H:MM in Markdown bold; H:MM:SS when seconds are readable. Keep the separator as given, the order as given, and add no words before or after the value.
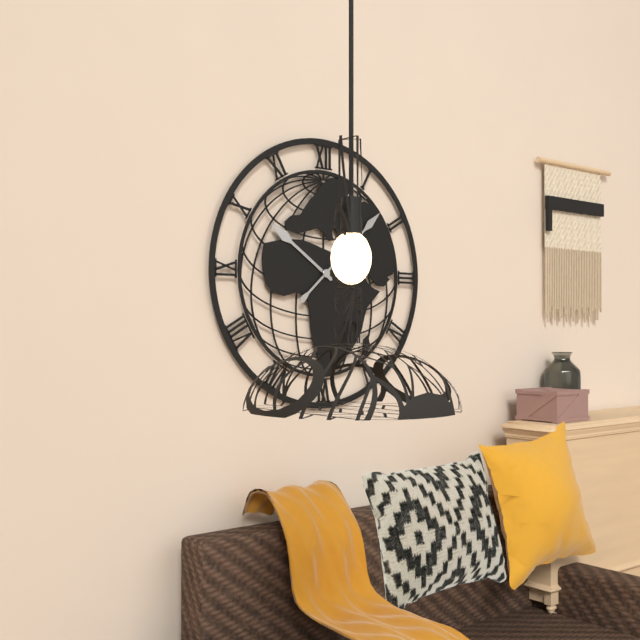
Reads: **10:08**
